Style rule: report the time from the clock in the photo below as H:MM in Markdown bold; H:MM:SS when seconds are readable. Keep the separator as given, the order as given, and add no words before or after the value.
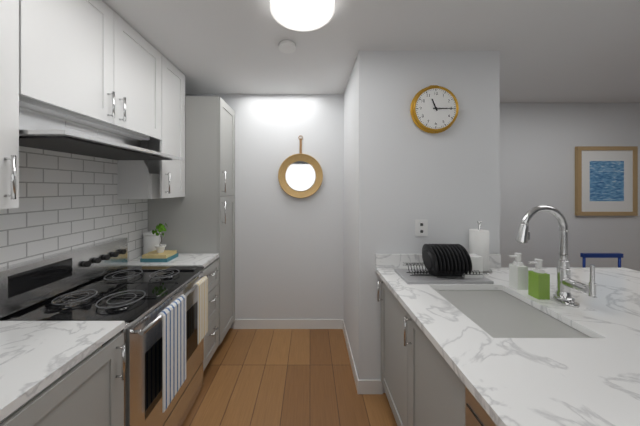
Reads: **11:15**
